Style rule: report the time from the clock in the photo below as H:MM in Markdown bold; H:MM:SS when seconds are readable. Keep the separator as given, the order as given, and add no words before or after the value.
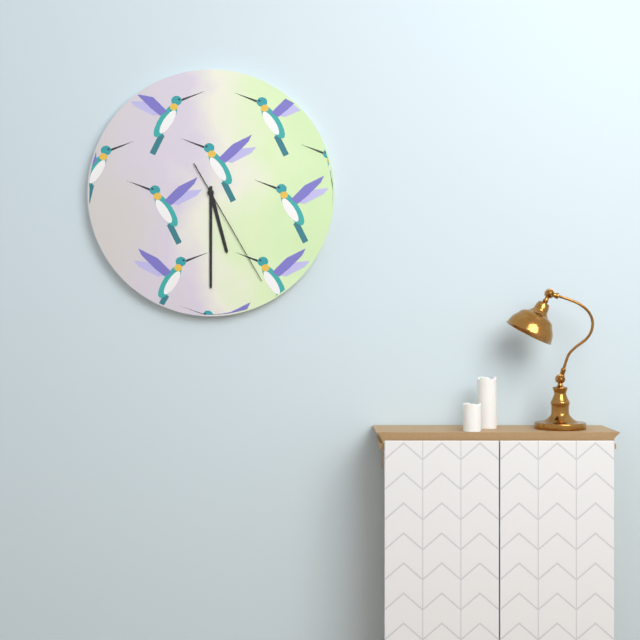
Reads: **5:30:25**
